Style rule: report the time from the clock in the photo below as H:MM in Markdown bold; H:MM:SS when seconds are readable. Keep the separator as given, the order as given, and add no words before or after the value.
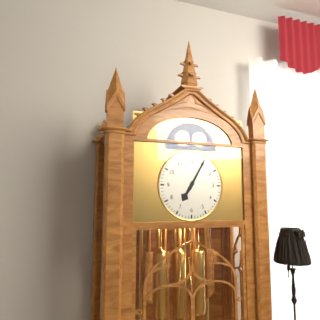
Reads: **7:05**
